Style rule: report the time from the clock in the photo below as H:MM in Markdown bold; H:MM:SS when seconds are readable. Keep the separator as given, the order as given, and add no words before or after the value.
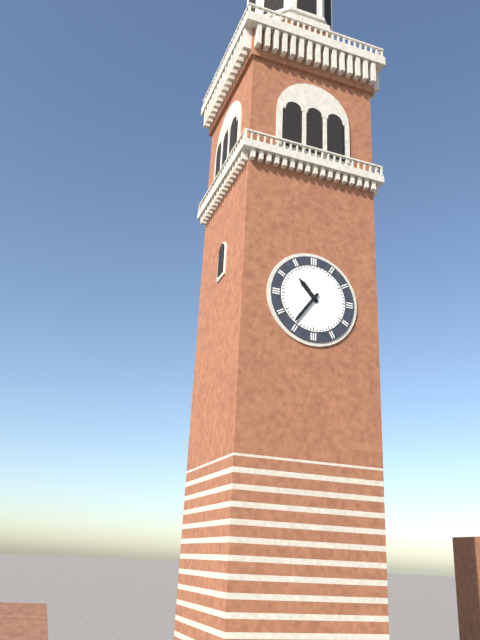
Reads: **10:36**
